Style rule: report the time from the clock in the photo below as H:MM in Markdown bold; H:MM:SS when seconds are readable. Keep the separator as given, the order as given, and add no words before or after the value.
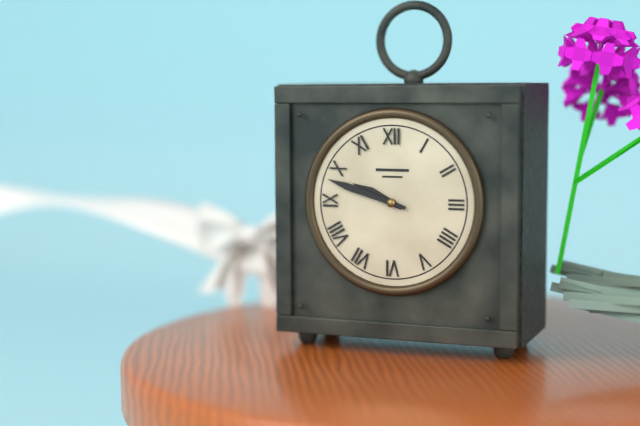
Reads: **9:48**
